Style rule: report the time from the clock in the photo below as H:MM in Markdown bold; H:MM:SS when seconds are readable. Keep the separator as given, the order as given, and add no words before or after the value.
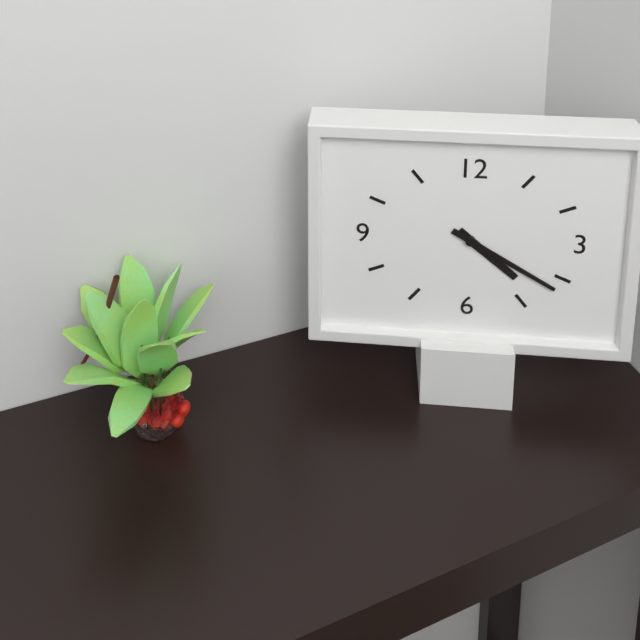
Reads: **4:20**
